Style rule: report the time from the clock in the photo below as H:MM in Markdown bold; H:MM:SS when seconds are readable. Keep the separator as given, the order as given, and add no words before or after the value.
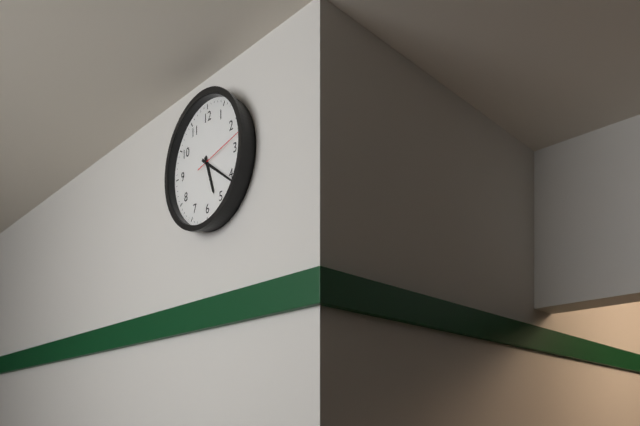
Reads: **5:21:13**
